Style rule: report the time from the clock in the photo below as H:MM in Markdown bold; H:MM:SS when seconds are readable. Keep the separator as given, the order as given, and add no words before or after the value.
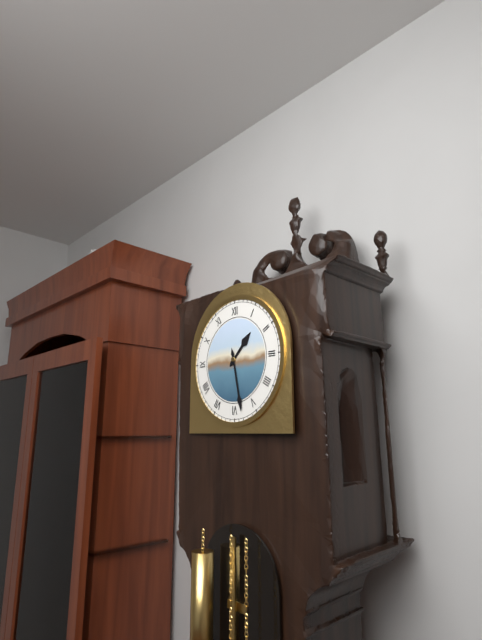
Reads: **1:28**
